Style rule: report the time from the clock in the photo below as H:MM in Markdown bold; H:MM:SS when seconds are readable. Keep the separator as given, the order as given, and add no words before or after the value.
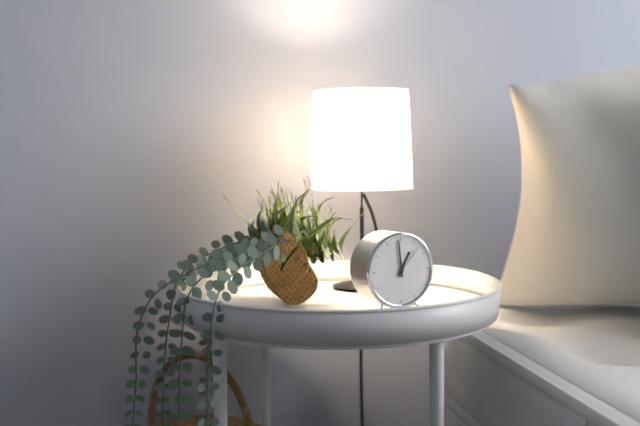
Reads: **12:59**
